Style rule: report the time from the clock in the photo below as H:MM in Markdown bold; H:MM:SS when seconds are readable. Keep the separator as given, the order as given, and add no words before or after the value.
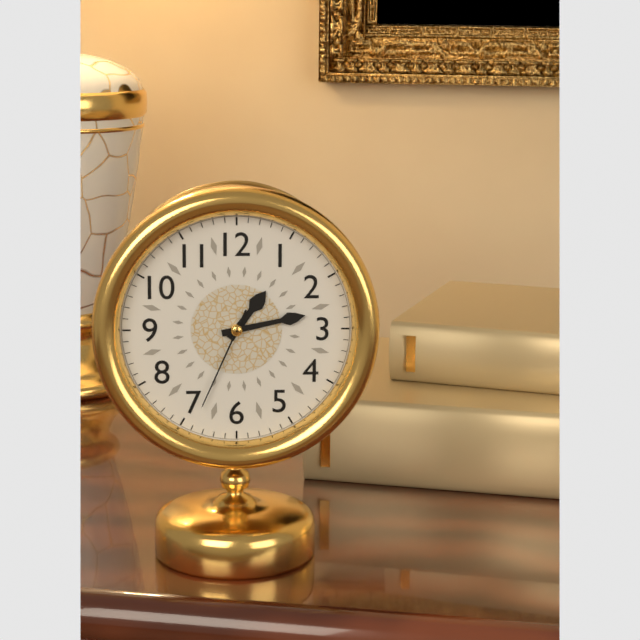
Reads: **1:13:34**
